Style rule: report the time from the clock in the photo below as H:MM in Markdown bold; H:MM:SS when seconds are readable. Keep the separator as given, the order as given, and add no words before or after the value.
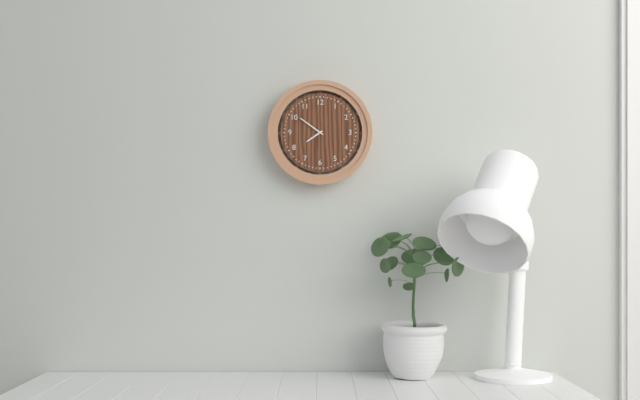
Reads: **7:51**
